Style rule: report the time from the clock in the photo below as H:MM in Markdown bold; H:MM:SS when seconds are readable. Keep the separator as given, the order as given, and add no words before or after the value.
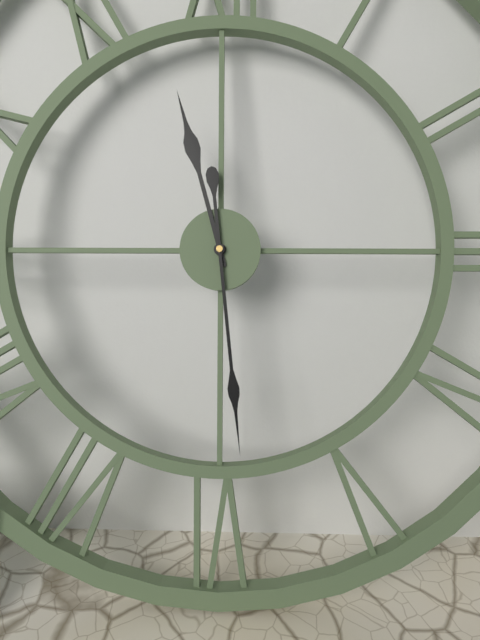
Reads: **11:29**
